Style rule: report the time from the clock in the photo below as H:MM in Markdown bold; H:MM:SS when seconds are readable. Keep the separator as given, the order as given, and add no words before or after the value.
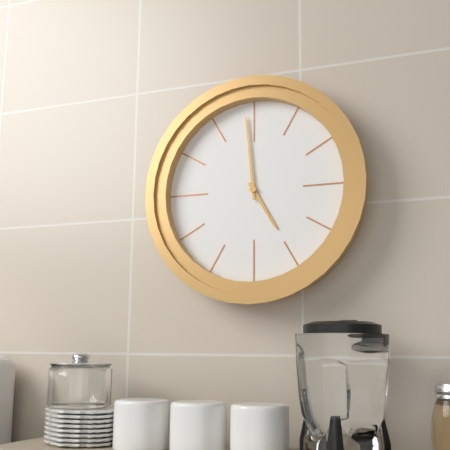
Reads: **4:59**
